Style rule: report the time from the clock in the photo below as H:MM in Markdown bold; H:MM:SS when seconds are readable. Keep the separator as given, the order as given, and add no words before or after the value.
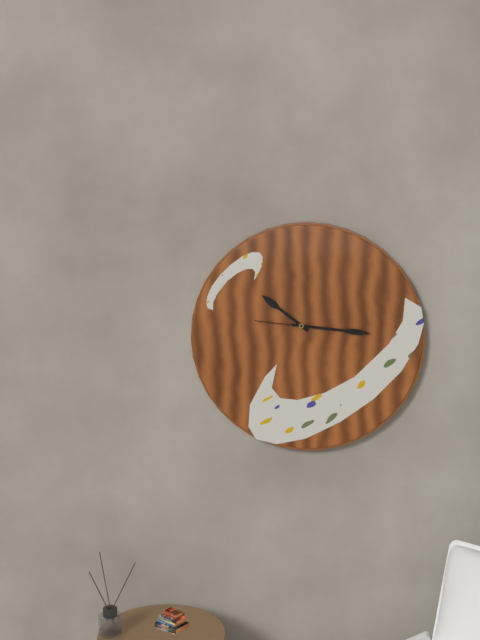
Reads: **10:16:46**
